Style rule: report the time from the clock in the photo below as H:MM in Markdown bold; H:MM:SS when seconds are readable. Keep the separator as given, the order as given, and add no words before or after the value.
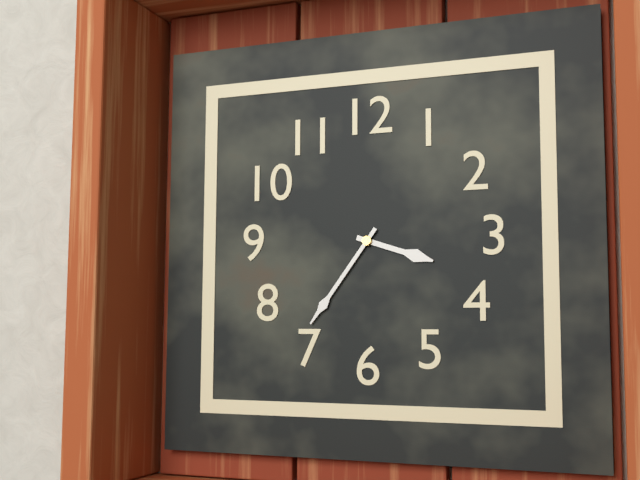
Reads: **3:36**
